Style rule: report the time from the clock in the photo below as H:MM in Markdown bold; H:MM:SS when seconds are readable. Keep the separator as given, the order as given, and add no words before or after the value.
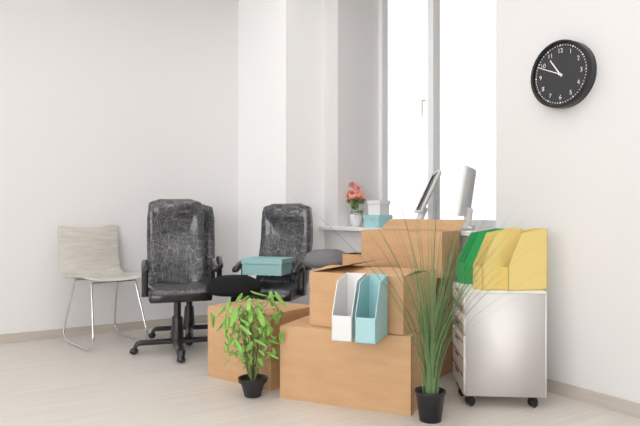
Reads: **10:49**
